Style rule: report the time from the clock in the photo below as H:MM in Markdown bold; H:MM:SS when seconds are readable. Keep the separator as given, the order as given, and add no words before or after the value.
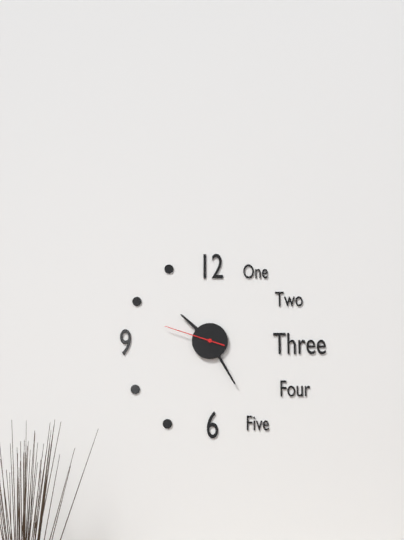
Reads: **10:25:48**
